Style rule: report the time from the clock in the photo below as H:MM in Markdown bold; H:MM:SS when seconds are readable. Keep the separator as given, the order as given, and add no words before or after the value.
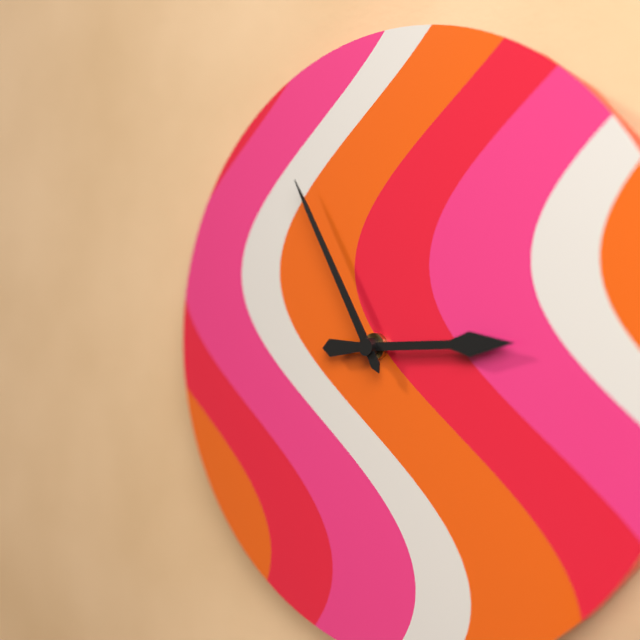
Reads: **2:55**
